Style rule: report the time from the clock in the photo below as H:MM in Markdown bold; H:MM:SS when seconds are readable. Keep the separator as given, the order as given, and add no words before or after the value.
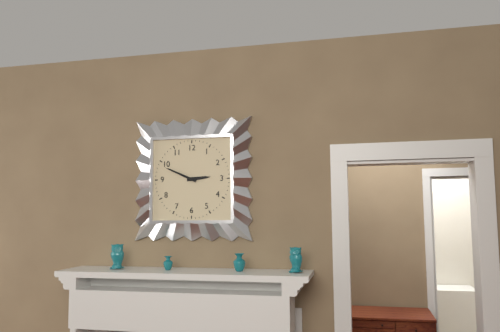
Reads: **2:49**
